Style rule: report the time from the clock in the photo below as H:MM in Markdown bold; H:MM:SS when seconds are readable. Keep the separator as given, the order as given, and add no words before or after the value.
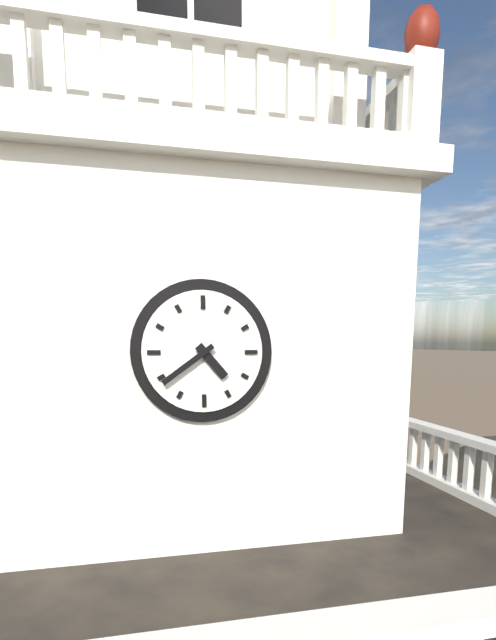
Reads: **4:39**
